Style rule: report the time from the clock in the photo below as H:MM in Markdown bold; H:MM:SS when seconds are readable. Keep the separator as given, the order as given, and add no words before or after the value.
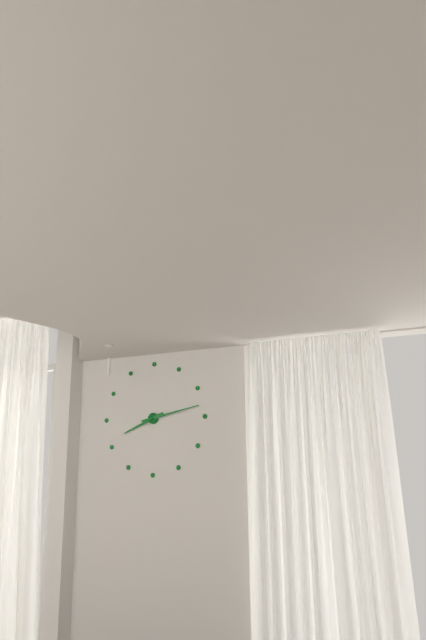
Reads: **8:13**
